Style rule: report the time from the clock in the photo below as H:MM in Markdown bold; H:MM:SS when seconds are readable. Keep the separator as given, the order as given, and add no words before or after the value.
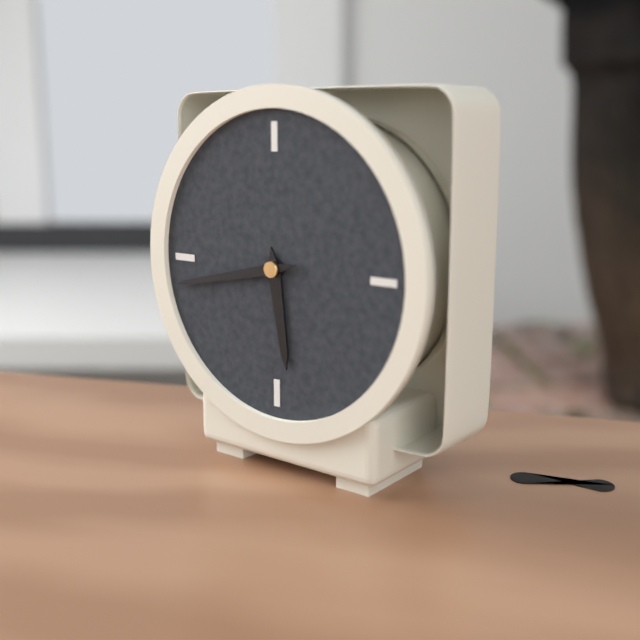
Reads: **5:43**
